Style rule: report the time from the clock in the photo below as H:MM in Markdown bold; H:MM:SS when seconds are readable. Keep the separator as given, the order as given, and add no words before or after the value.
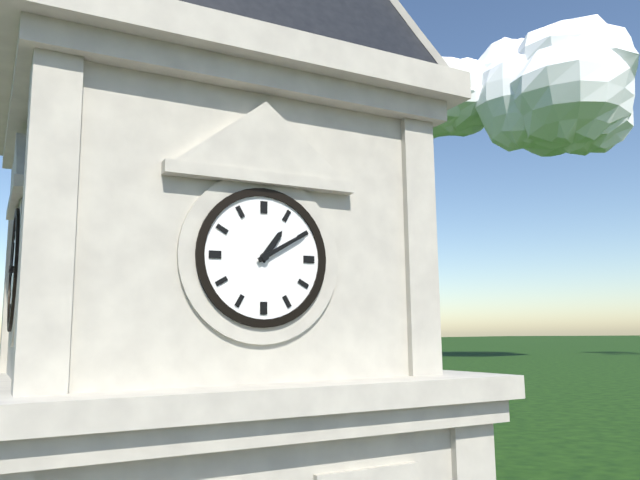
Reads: **1:10**
